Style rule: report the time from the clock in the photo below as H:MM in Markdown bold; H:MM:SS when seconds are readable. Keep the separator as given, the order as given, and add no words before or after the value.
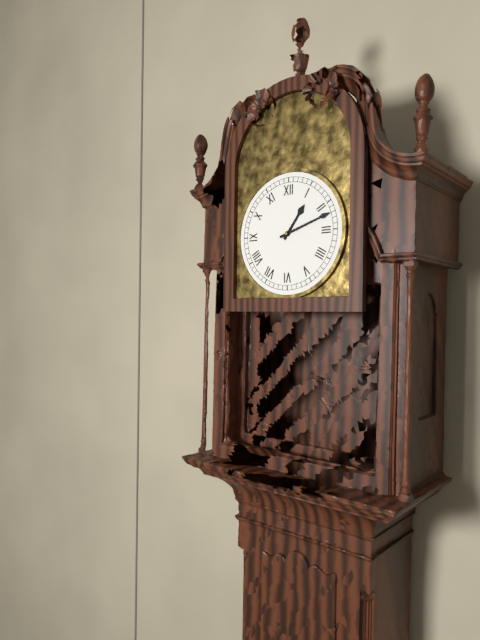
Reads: **1:12**
